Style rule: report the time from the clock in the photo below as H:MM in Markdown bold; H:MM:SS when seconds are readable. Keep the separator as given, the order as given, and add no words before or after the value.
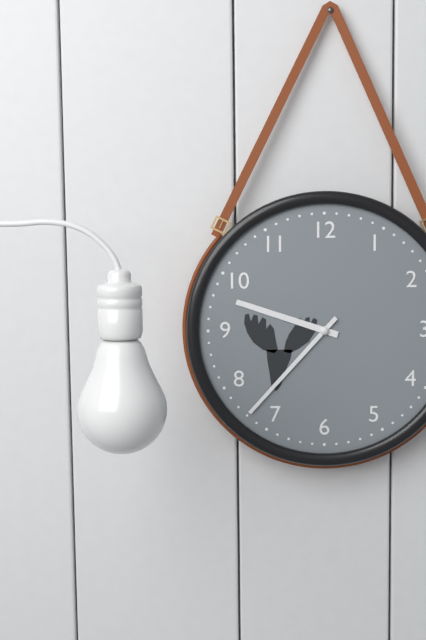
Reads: **9:37**
